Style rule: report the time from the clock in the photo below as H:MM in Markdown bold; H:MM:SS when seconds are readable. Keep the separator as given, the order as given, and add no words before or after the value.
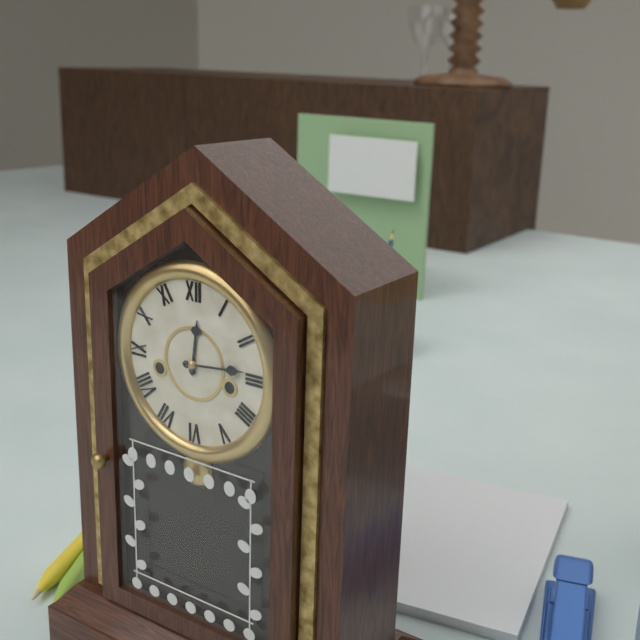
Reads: **12:14**
